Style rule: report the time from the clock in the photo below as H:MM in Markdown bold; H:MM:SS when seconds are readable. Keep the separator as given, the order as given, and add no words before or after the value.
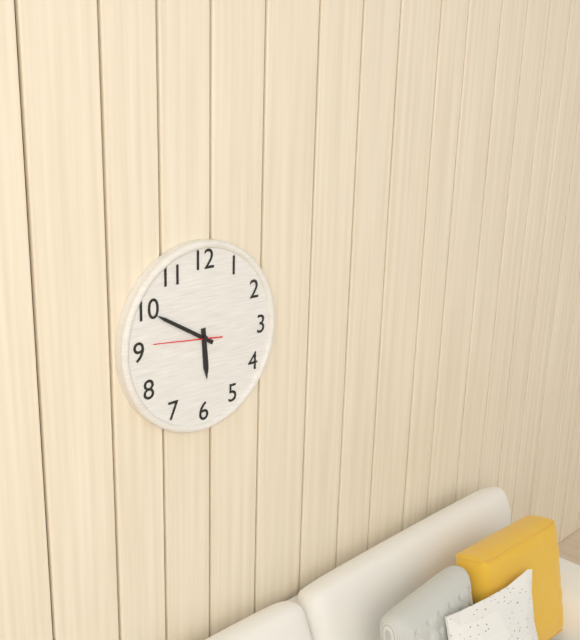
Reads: **5:50:46**
